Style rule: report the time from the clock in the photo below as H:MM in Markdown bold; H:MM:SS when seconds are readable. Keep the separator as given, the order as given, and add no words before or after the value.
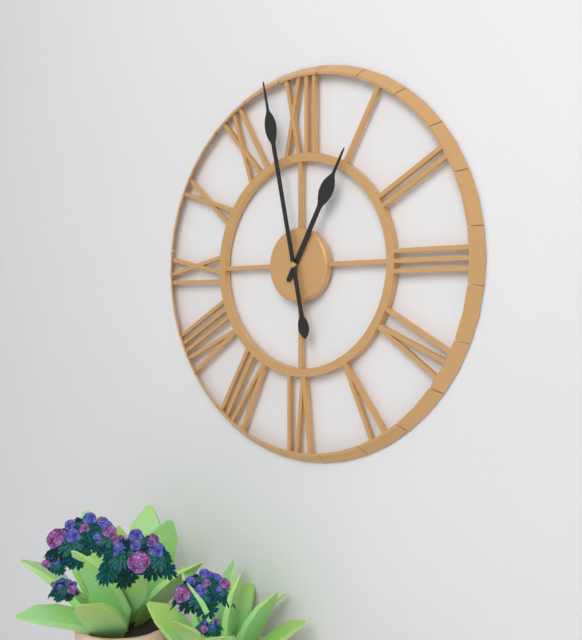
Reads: **12:58**
